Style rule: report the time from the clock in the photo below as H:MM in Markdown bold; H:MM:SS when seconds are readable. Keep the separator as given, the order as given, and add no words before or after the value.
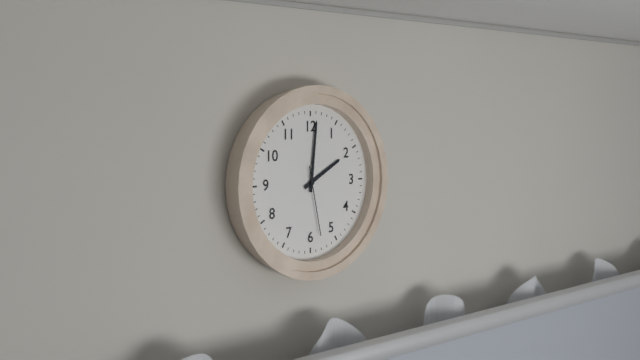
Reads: **2:01:28**
